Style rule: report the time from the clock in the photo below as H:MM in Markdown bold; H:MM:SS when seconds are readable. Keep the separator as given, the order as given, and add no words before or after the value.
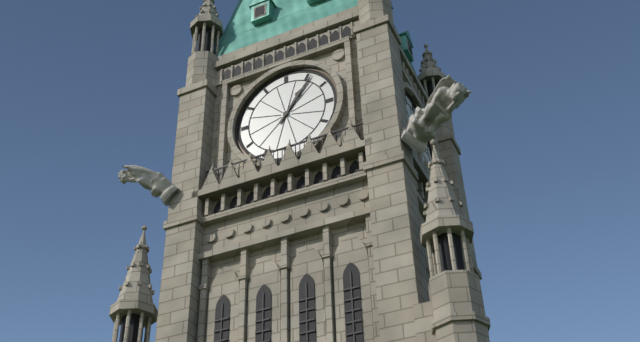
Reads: **1:06**
